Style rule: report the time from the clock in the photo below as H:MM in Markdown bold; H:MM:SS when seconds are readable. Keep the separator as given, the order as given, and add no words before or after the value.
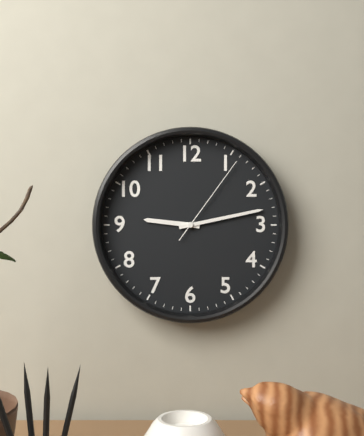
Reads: **9:13:06**
